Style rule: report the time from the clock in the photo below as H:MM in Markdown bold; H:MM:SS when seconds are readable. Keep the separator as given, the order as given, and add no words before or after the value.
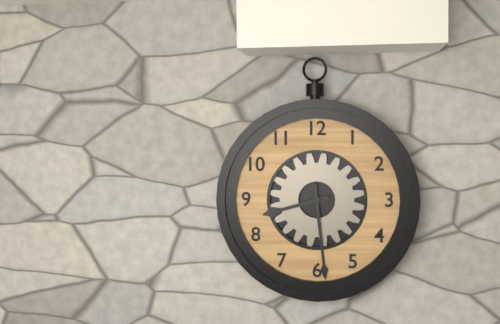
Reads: **8:29**
